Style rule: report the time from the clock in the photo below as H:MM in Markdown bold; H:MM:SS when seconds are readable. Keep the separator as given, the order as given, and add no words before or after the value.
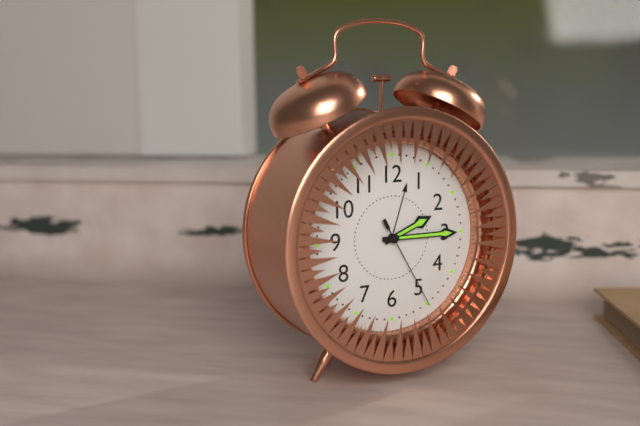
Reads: **2:15:25**
